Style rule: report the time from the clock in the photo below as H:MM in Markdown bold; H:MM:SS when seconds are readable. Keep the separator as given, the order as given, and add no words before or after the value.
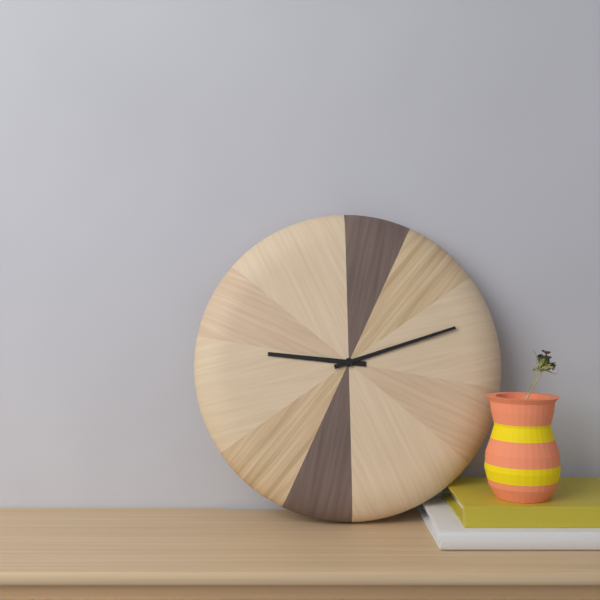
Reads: **9:12**
